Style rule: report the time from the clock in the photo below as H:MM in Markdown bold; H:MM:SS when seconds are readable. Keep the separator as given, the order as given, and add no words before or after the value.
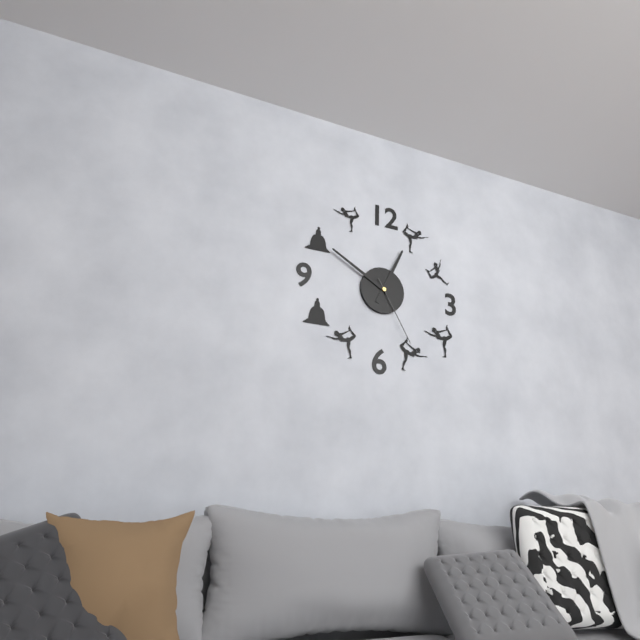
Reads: **12:50:25**
